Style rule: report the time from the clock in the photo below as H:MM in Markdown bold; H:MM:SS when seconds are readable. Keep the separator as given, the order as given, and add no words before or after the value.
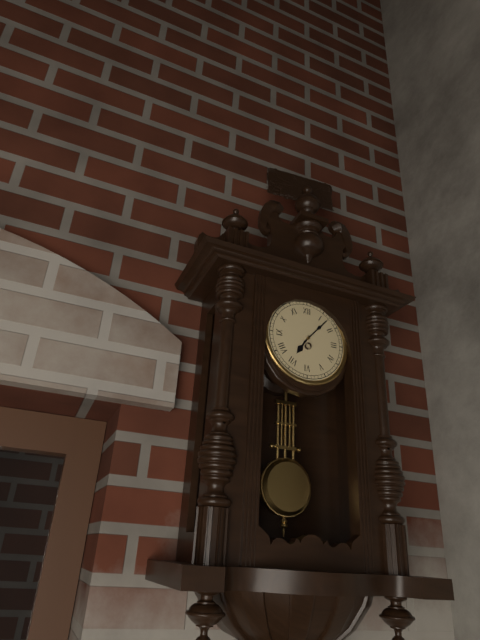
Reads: **7:07**
